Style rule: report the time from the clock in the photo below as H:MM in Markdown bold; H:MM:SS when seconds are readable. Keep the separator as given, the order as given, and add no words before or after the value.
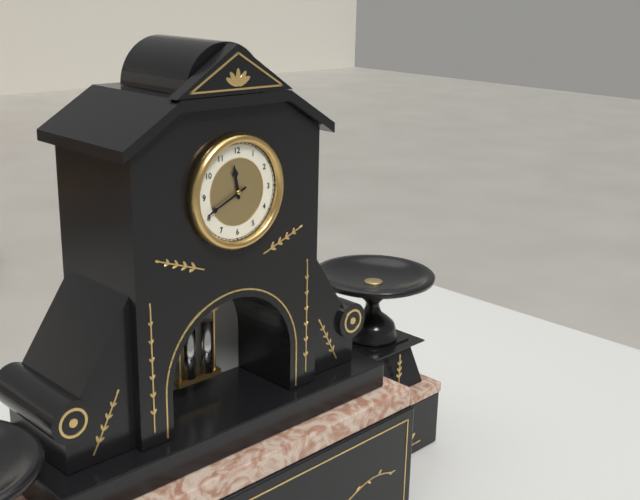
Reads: **11:41**
